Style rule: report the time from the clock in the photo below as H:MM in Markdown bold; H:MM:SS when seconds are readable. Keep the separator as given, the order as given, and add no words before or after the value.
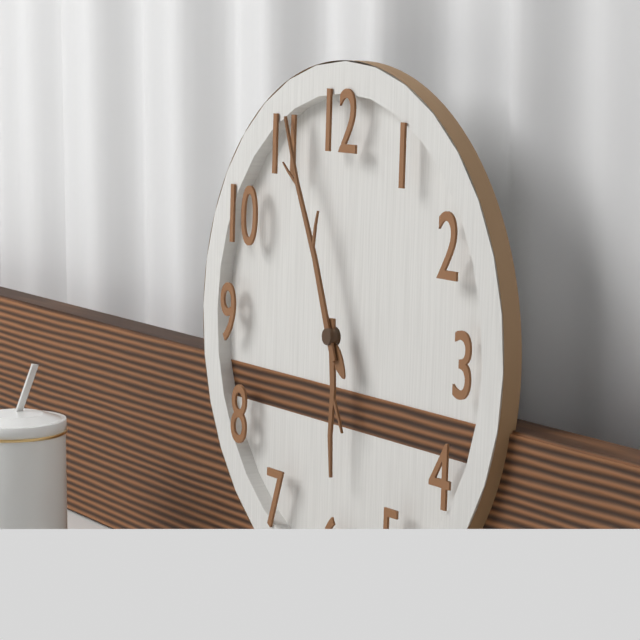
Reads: **5:56**
